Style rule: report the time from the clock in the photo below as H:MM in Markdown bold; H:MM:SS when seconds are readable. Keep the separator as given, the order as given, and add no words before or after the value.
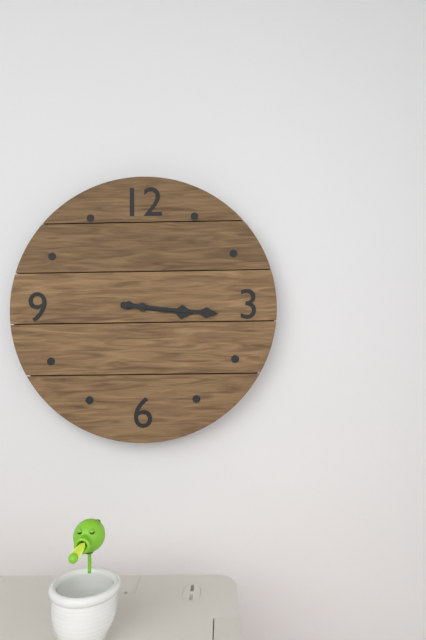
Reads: **3:16**
